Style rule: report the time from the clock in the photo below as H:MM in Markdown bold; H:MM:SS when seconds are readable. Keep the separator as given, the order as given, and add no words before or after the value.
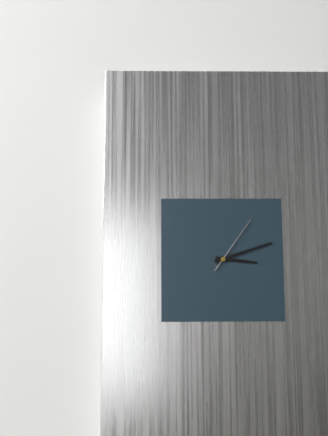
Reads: **3:12:06**
